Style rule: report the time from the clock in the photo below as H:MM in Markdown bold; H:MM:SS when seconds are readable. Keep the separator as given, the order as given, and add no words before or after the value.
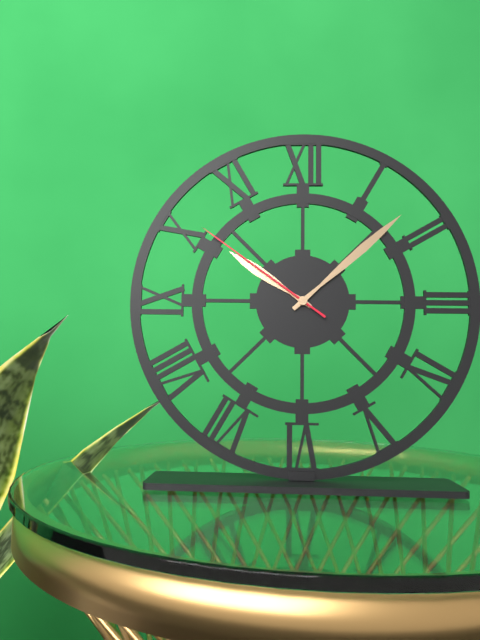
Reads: **10:08:51**
